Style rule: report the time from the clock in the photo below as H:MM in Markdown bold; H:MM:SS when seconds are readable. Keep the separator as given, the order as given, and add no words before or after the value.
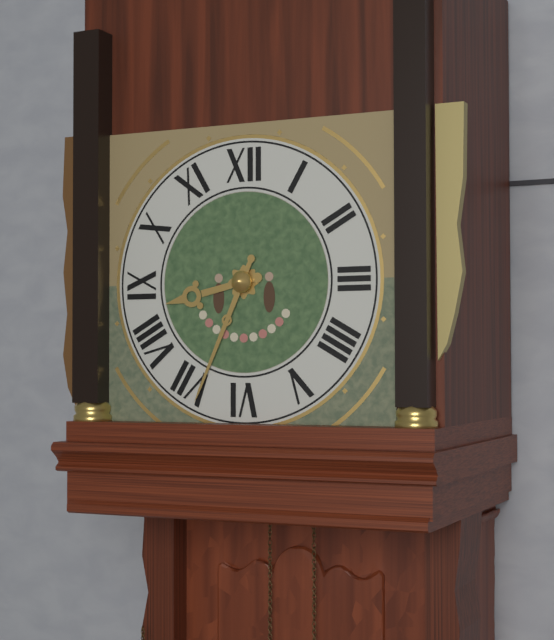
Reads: **8:34**
